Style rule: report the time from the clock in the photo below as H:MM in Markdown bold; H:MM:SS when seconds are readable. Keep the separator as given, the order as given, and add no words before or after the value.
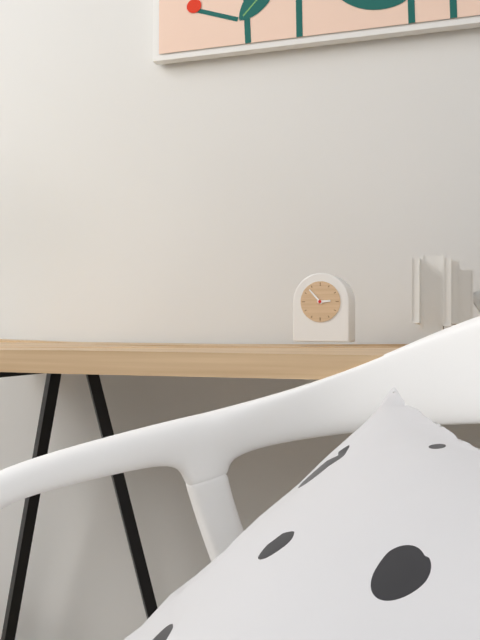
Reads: **2:53**
